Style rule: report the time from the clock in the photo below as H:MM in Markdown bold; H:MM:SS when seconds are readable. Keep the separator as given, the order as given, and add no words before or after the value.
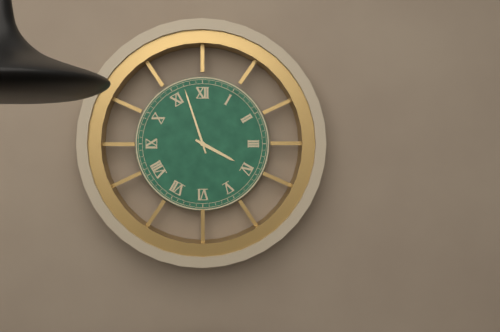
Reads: **3:57**
